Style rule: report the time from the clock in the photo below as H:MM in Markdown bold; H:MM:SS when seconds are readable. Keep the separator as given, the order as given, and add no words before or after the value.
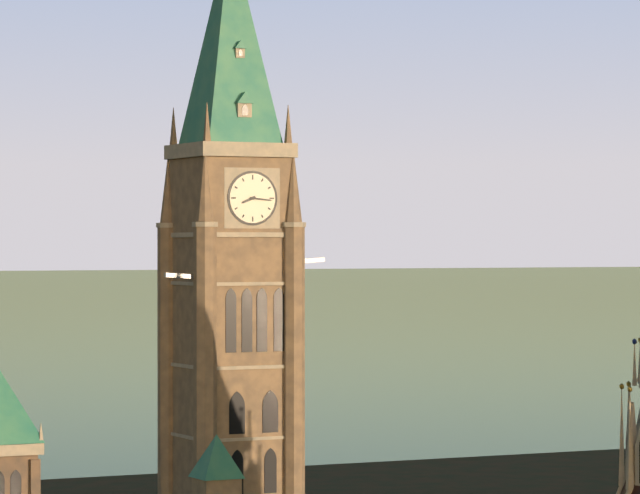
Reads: **8:16**
